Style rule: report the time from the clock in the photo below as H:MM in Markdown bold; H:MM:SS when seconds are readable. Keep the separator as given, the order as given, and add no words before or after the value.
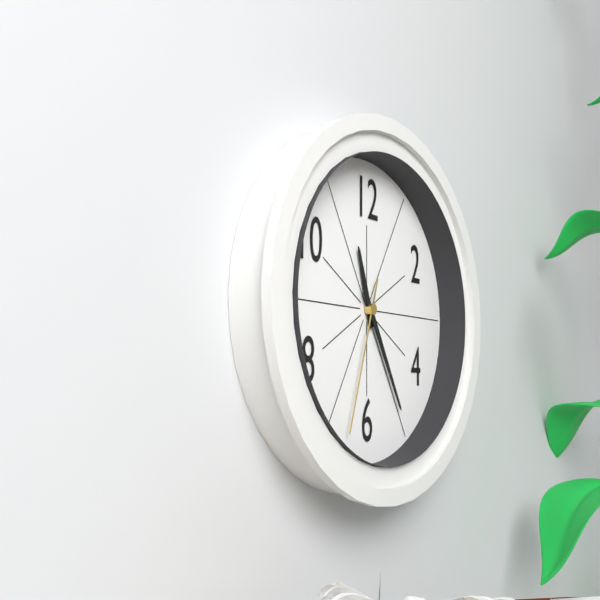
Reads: **11:25:33**
